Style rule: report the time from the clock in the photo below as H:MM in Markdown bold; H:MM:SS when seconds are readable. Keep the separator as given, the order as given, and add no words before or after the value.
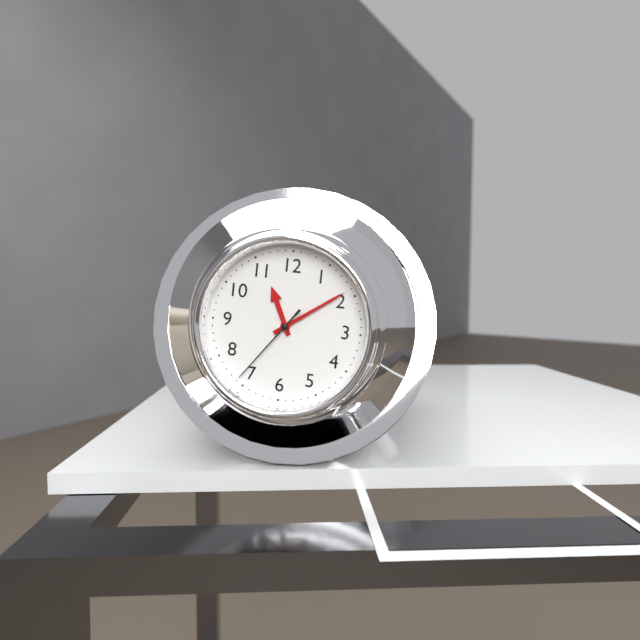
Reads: **11:09:36**
